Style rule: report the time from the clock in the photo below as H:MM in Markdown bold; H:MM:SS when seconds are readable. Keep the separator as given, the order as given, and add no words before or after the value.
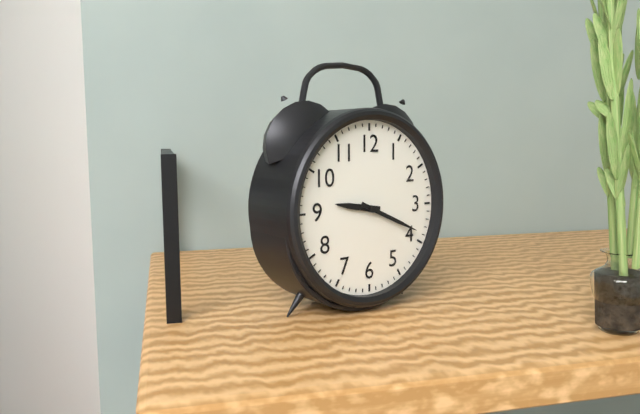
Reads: **9:19**
